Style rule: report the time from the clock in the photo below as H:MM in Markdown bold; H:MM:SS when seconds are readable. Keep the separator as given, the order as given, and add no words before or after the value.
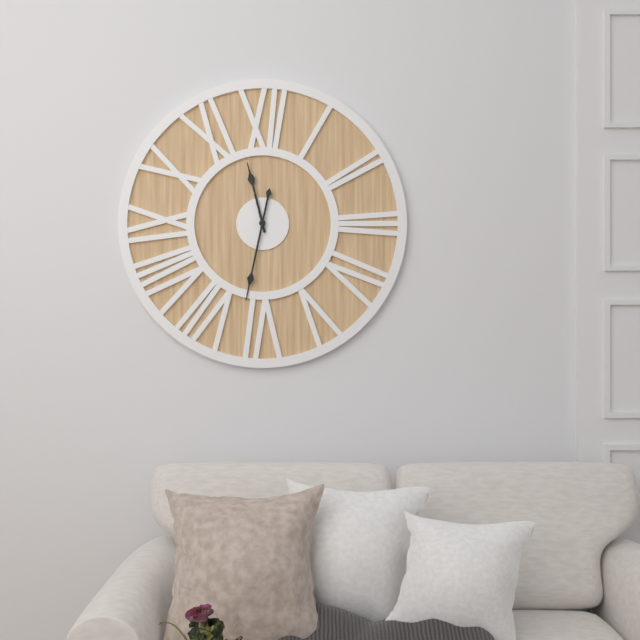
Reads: **11:32**
